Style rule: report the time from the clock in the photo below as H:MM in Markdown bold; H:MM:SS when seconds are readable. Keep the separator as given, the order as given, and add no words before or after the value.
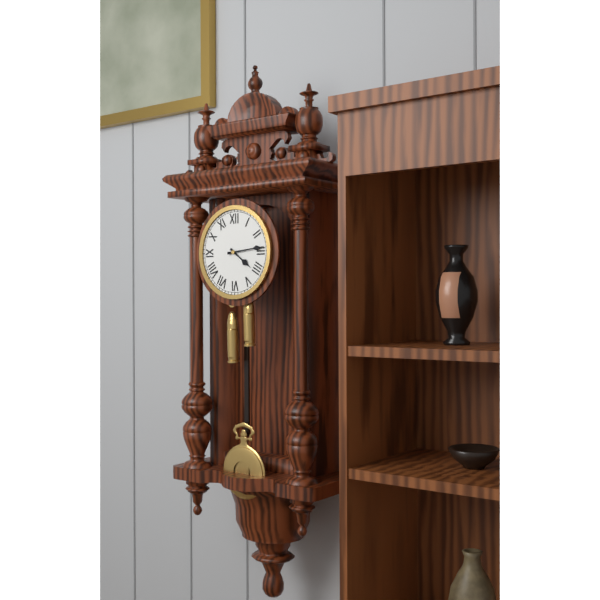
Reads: **4:14**
